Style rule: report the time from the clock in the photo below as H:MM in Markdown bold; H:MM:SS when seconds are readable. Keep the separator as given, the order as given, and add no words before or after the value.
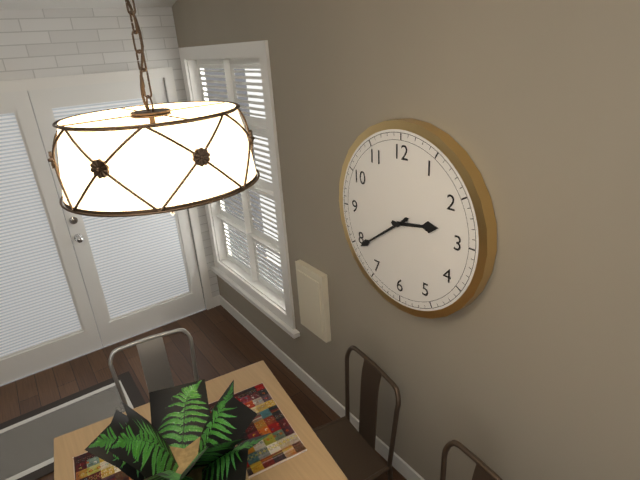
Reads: **2:39**
